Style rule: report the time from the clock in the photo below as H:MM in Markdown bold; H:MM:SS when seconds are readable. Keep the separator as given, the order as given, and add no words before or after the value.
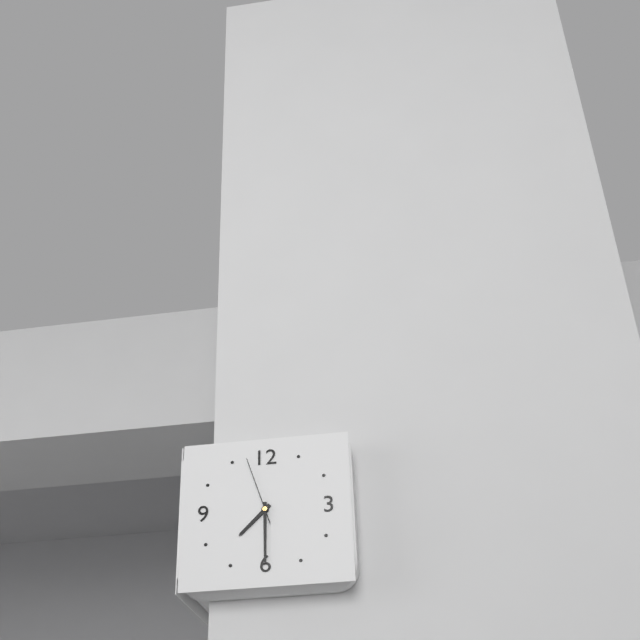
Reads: **7:30:57**
